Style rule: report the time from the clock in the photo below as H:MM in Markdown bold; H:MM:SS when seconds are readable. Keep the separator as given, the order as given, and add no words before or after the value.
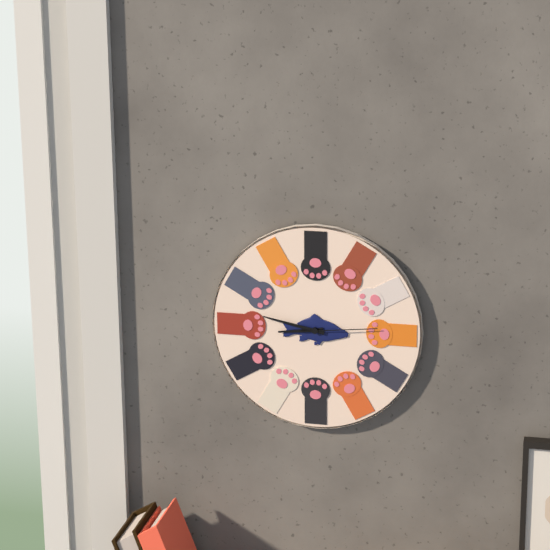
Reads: **8:47:14**
